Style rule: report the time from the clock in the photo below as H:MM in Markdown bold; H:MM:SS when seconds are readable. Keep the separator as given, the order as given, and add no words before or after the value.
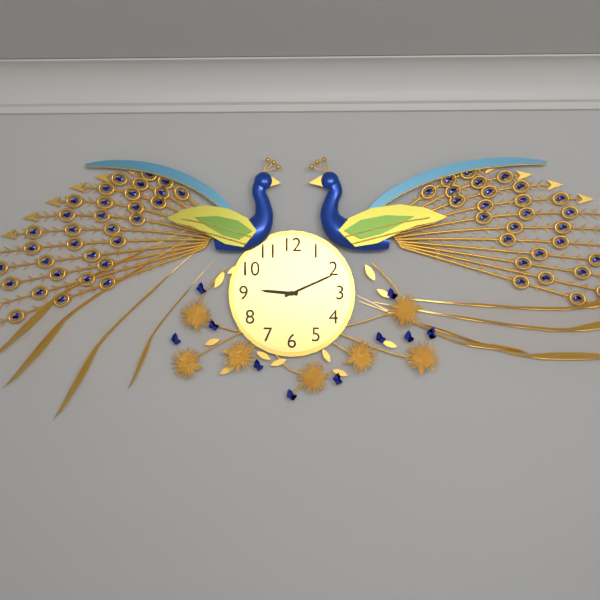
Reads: **9:11**
